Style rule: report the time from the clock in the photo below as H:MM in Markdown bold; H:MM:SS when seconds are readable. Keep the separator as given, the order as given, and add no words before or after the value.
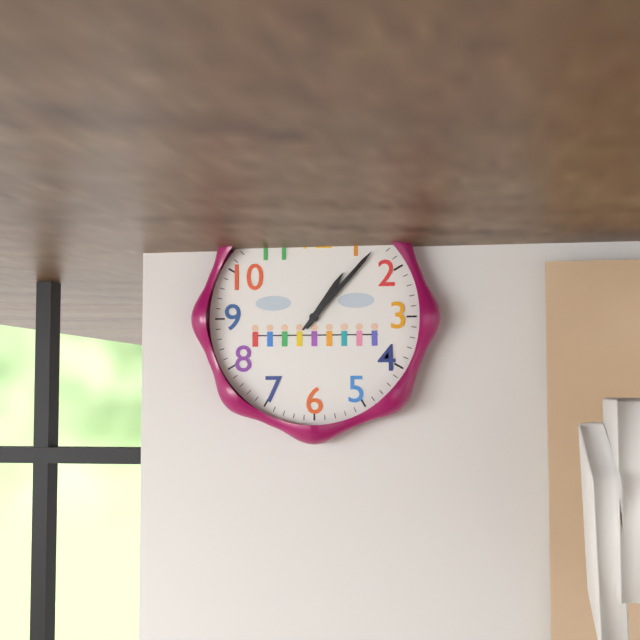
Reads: **1:07**
